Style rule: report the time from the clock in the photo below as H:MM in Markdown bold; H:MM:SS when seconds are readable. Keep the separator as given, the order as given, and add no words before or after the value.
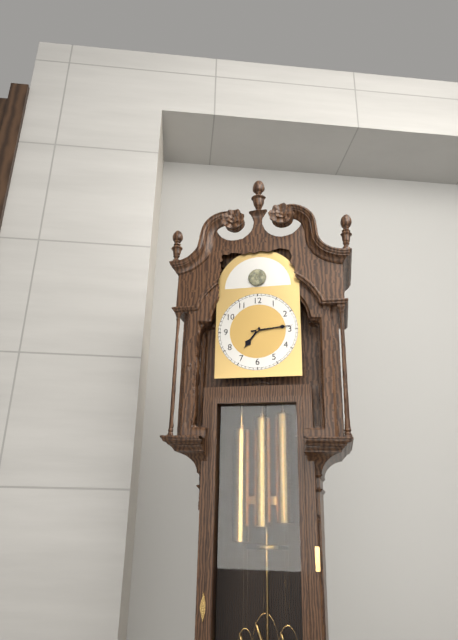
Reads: **7:14**
